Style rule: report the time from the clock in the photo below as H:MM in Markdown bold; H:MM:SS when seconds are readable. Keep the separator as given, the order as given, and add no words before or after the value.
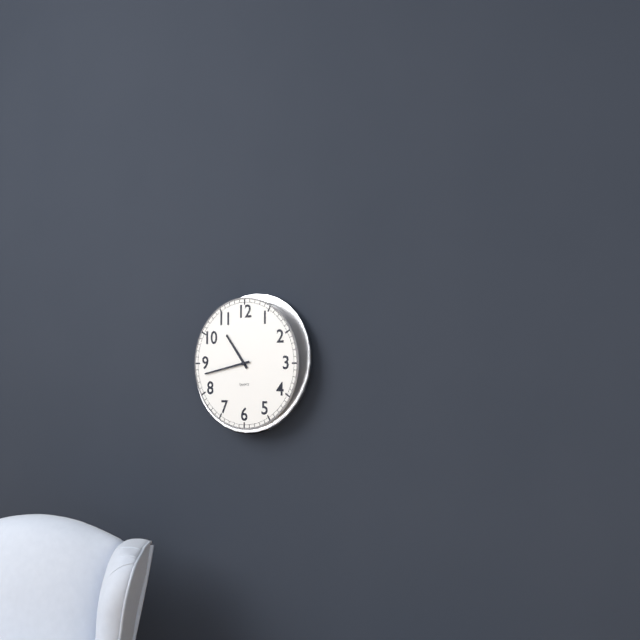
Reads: **10:43**
